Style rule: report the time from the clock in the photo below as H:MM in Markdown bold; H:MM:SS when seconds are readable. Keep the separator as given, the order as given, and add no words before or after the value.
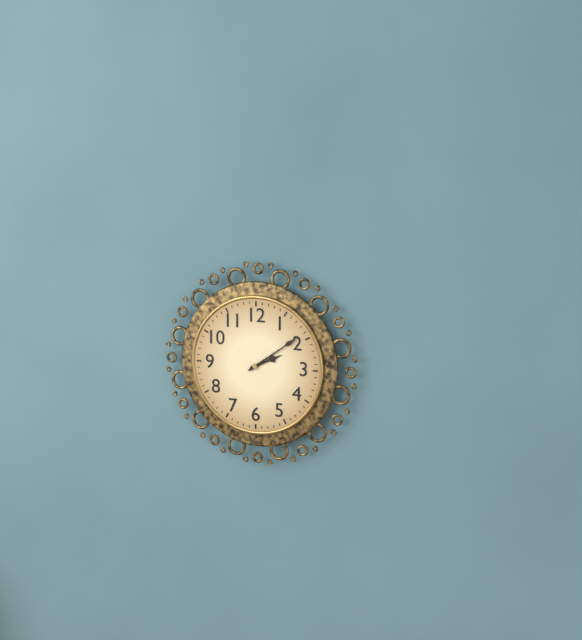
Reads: **2:09**
